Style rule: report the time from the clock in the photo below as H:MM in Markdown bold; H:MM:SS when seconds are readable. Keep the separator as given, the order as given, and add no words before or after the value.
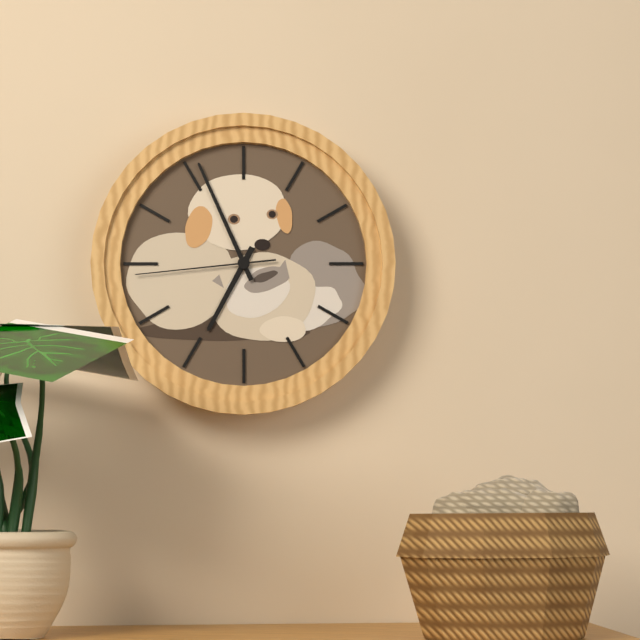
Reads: **6:56:44**
